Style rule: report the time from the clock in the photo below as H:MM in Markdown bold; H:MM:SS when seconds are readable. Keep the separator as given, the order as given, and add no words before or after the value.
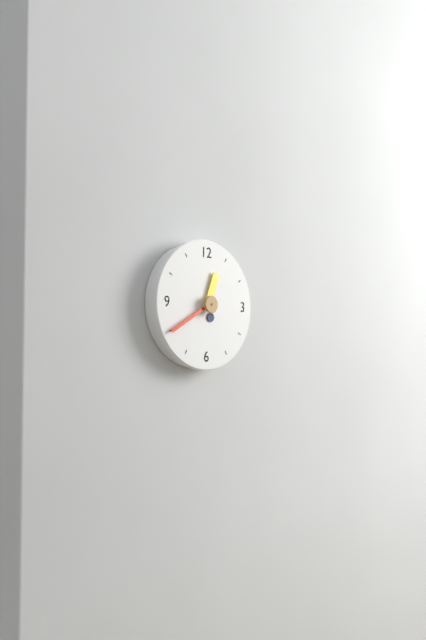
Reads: **12:40**
